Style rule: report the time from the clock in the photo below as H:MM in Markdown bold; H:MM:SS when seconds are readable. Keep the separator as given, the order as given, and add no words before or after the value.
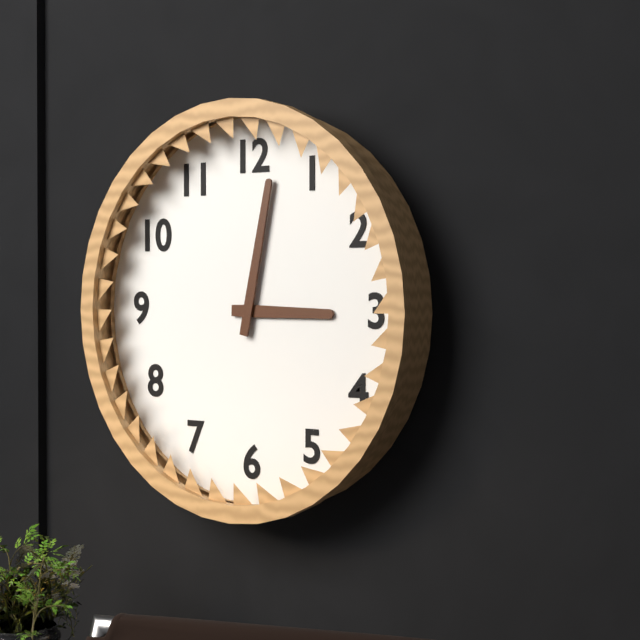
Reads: **3:02**
